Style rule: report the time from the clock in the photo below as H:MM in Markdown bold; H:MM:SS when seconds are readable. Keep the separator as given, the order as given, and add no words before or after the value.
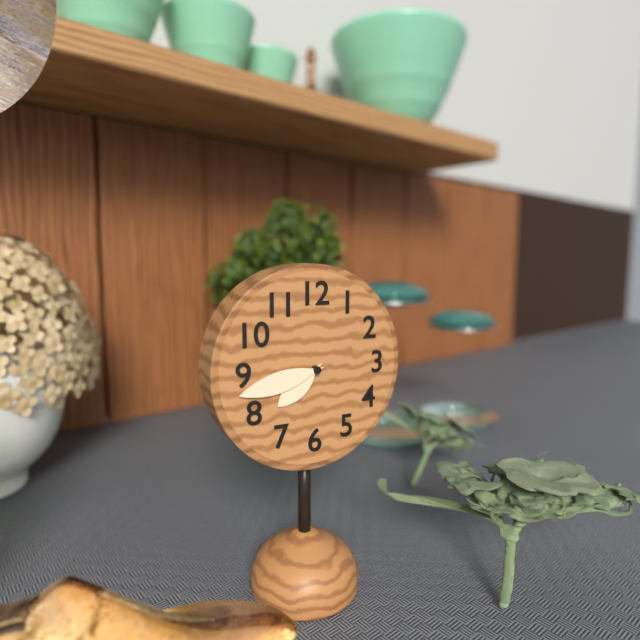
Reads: **7:43**
